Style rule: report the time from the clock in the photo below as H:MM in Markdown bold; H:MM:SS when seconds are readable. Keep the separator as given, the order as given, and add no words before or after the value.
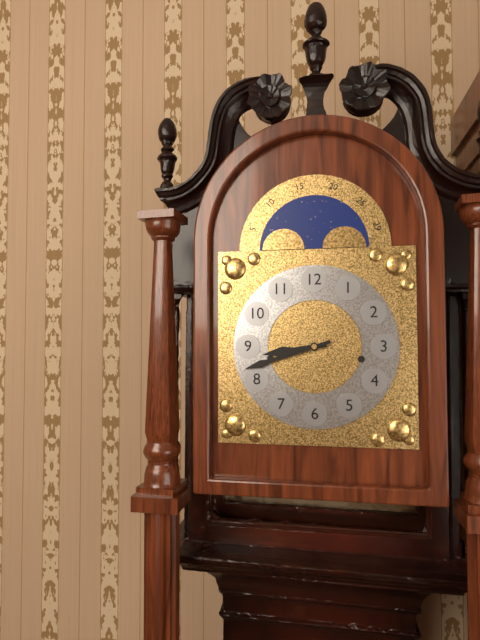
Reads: **8:42**
